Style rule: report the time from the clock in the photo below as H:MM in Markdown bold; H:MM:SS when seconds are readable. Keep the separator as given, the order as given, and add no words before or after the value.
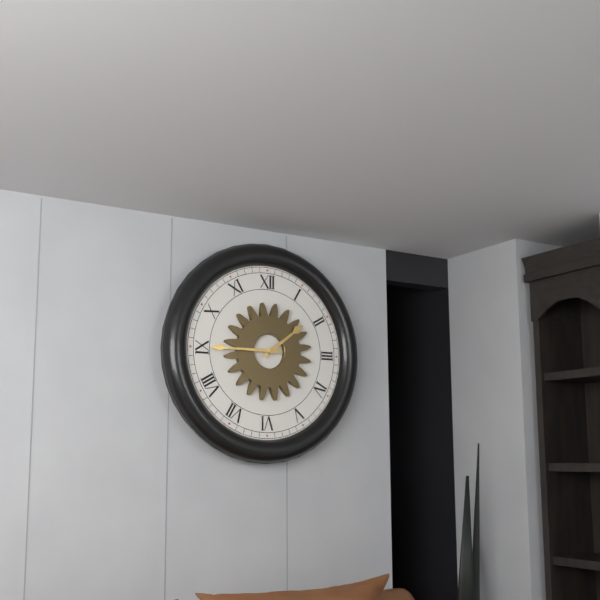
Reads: **1:45**
